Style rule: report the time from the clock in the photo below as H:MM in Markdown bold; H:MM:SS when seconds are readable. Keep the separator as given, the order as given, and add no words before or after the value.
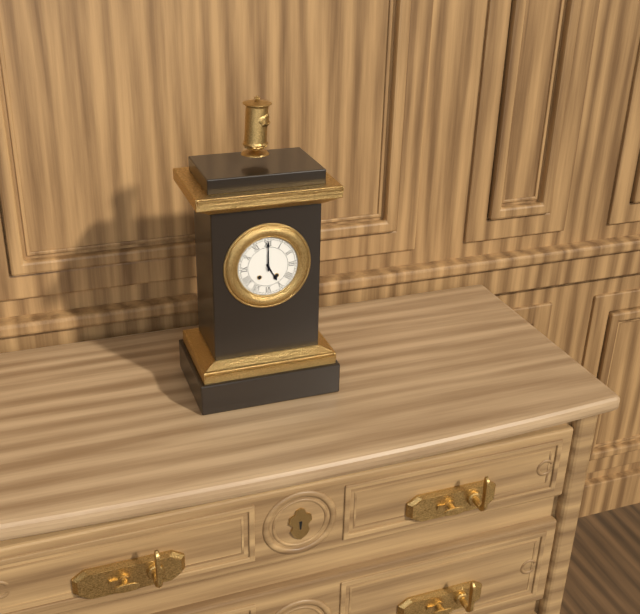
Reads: **5:00**
